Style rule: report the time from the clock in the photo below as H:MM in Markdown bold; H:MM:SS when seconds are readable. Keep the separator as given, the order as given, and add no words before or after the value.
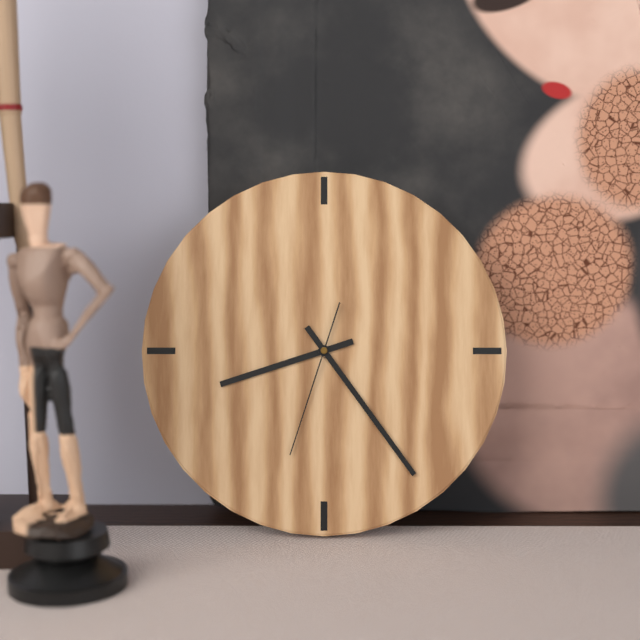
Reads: **8:24:33**
